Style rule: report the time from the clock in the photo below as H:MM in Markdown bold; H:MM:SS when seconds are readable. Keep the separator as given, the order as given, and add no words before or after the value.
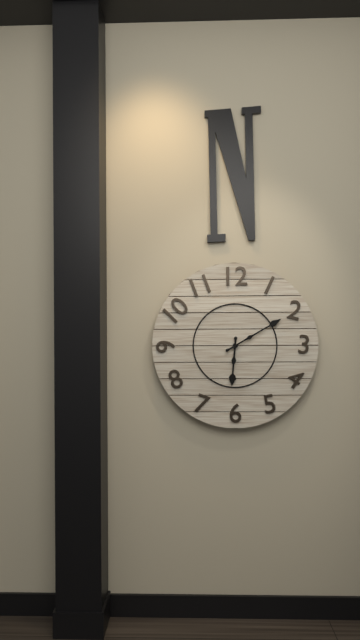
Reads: **6:10**
